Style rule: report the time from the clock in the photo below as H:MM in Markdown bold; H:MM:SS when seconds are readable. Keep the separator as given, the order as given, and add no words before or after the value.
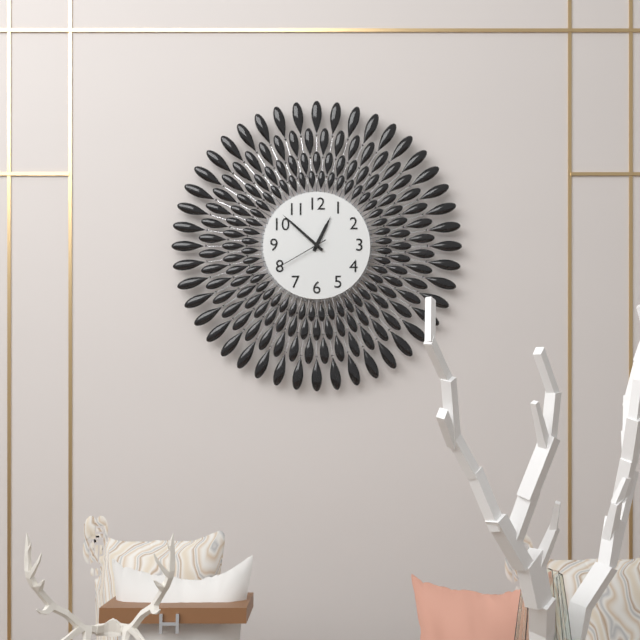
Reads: **12:52:40**
